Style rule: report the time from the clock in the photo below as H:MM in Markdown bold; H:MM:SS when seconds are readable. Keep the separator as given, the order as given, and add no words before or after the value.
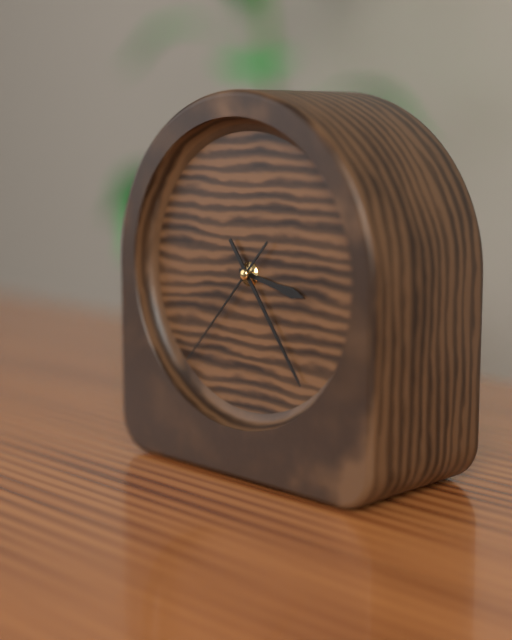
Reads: **3:24:37**
